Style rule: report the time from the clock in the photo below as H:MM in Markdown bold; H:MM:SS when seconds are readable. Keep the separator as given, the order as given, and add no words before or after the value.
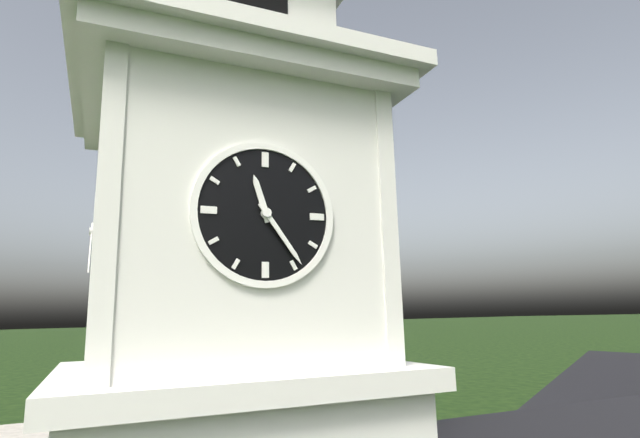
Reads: **11:24**
